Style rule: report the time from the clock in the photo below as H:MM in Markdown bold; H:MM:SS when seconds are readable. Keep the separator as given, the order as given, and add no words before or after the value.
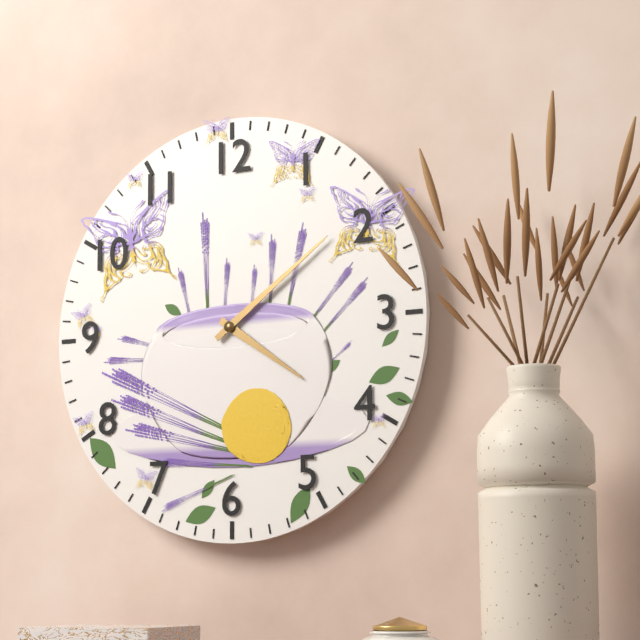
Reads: **4:09**
